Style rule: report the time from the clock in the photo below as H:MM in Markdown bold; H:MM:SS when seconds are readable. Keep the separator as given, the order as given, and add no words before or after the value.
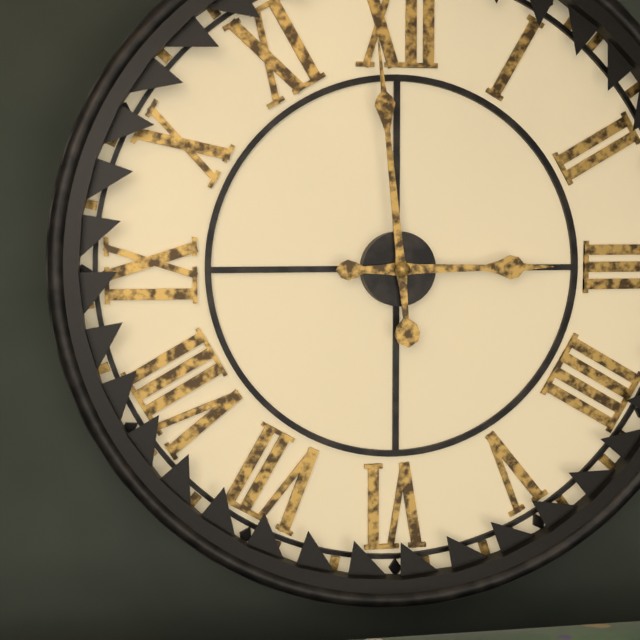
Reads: **2:59**
